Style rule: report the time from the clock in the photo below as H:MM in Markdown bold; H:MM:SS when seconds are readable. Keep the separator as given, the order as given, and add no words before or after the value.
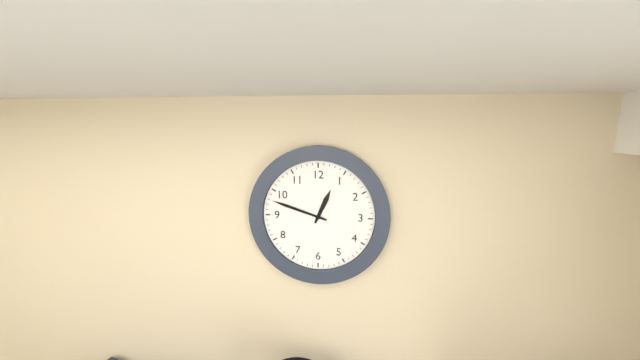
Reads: **12:48**
